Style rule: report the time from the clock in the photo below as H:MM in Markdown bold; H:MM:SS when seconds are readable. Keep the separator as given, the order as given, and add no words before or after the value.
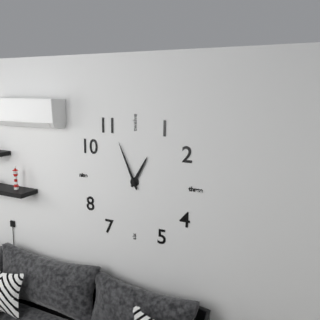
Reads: **12:56**
